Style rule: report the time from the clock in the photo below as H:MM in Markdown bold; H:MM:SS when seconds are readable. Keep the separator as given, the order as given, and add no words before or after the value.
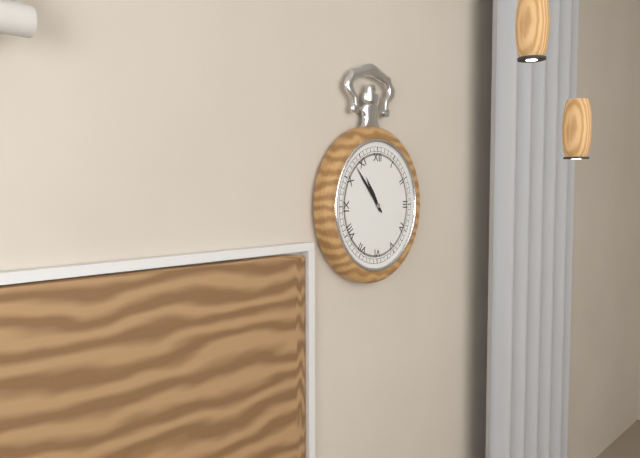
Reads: **10:53**
